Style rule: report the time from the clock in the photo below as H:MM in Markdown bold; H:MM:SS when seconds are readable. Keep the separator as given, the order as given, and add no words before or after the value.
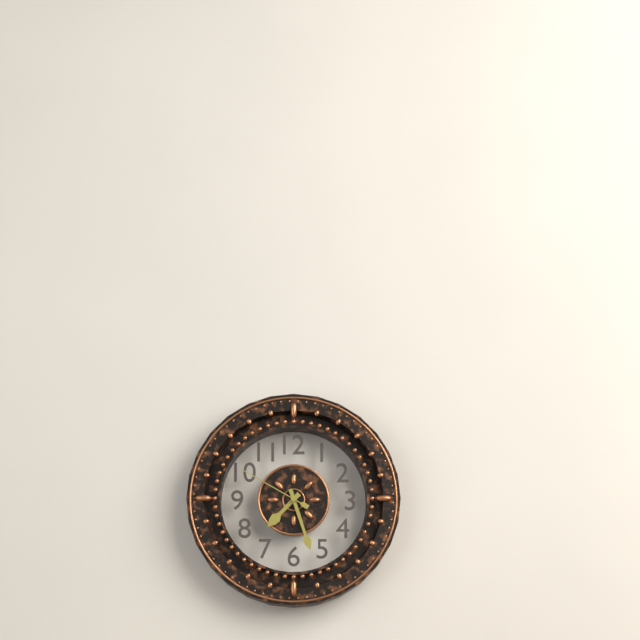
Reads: **7:27:50**
